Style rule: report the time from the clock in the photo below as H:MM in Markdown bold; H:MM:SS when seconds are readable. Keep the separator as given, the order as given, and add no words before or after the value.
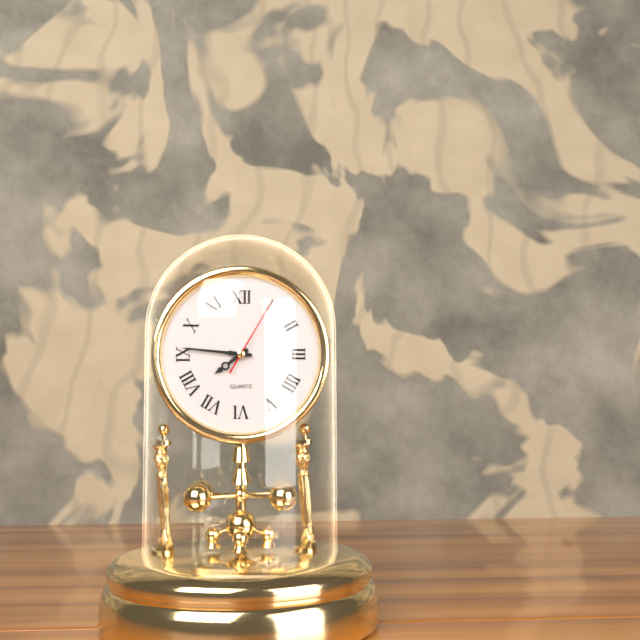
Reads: **7:46:05**
